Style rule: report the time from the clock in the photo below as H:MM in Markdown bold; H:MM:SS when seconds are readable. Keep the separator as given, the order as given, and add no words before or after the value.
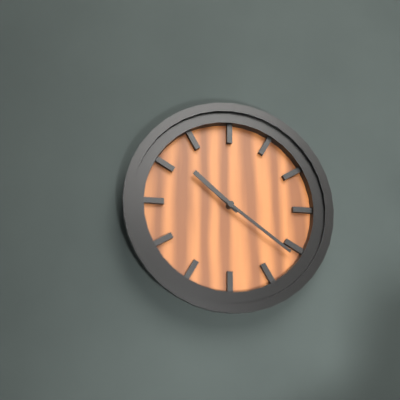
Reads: **10:21**
